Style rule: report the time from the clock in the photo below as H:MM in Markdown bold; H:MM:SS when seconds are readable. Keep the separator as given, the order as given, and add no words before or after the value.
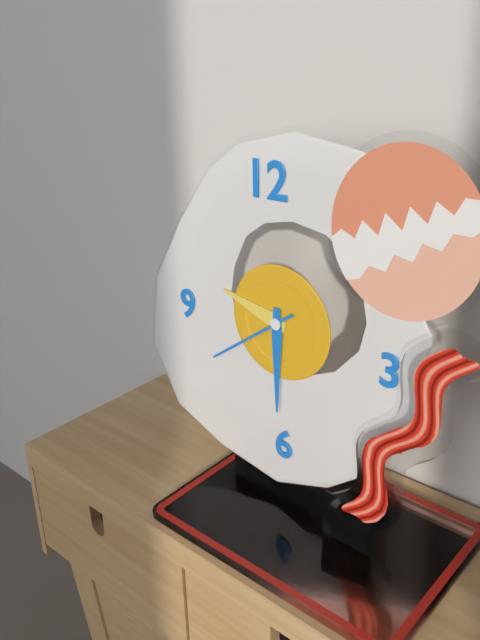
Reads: **9:30:39**
